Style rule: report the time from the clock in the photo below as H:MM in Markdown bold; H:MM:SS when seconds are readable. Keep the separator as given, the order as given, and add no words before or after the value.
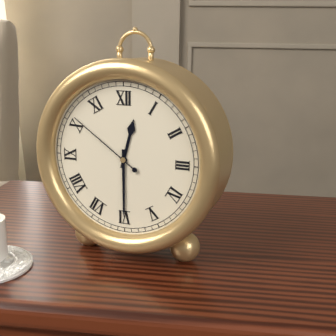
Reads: **12:30:51**
